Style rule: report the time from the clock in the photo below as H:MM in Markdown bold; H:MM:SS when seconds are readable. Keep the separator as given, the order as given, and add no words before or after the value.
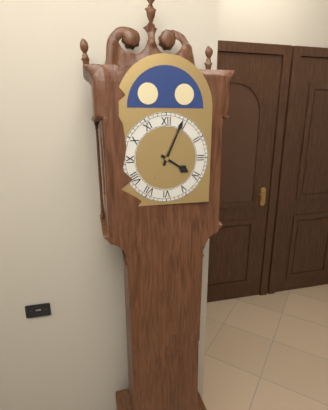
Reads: **4:04**
